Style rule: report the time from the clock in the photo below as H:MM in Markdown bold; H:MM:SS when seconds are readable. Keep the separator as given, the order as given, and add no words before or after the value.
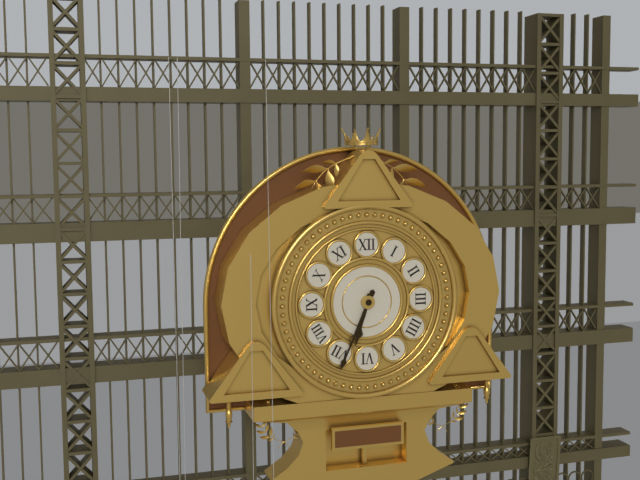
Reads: **6:34**
